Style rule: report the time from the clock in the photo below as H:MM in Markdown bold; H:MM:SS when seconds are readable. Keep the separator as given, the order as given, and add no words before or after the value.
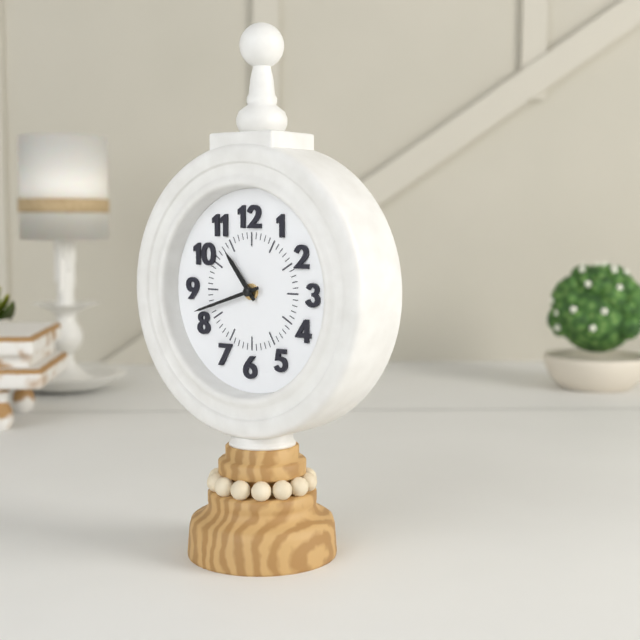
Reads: **10:42**
